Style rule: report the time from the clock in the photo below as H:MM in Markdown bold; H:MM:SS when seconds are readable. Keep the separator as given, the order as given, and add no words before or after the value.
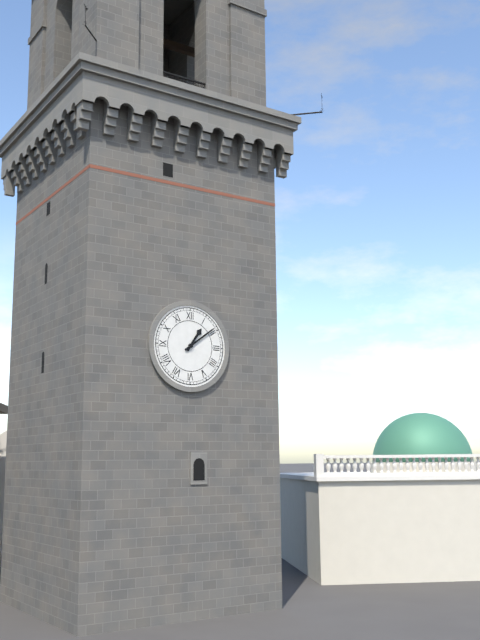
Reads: **1:09**
